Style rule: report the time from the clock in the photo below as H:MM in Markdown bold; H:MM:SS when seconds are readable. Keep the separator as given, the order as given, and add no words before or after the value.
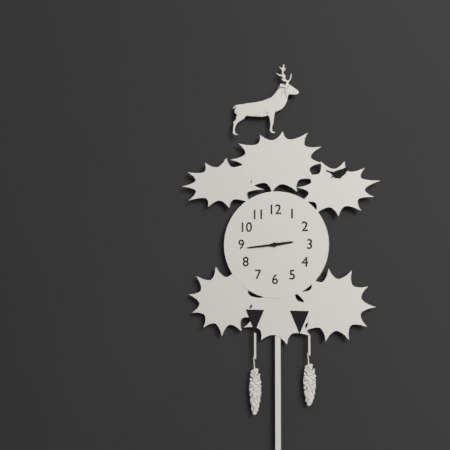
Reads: **2:44**
